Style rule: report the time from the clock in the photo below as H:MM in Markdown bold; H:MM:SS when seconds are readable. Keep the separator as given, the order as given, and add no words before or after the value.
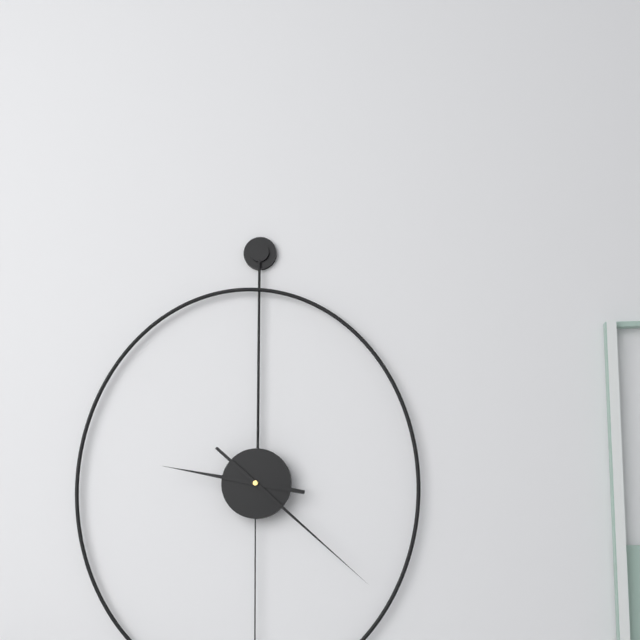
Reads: **9:22**
